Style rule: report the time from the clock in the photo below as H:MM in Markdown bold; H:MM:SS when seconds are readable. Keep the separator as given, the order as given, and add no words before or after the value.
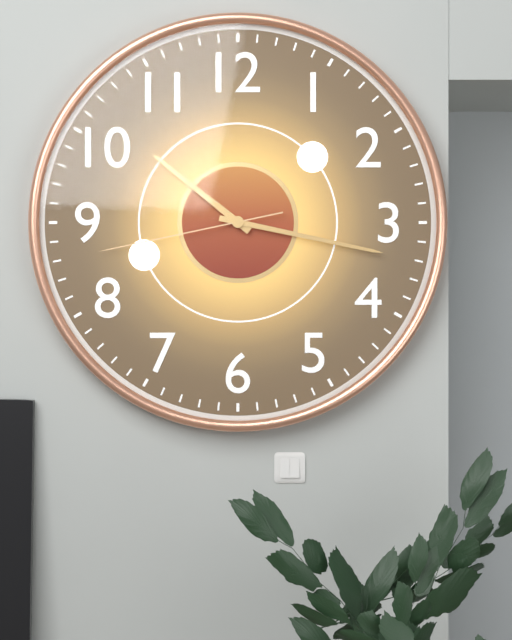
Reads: **10:17:43**
